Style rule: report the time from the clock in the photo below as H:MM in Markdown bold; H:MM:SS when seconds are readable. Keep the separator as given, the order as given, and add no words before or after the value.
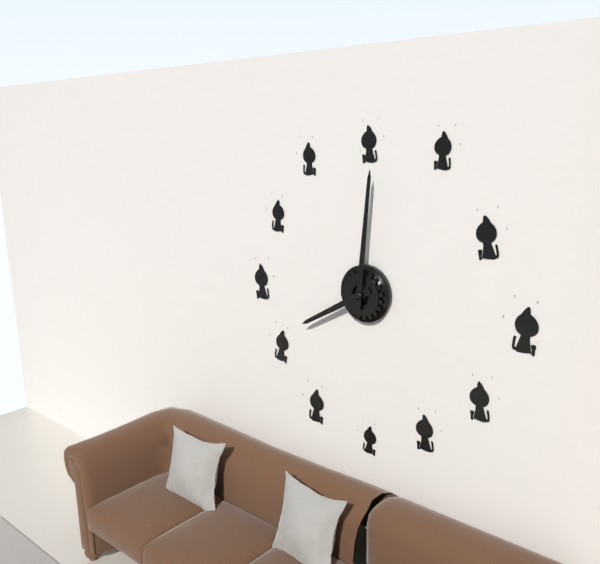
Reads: **8:01**
